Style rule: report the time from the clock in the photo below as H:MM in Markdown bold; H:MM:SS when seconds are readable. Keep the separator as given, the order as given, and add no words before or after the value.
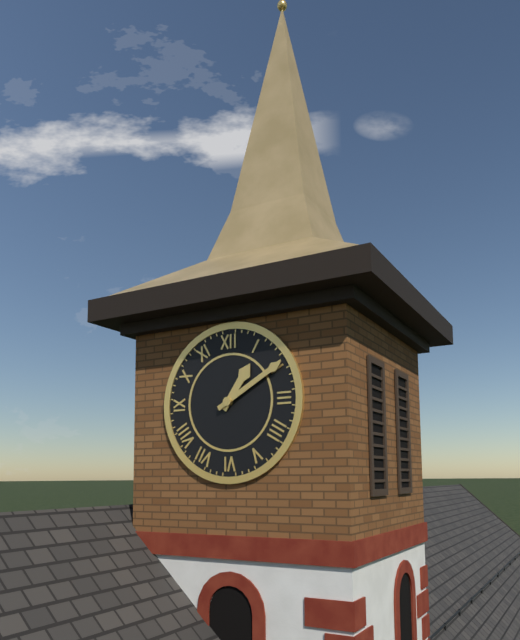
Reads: **1:10**
